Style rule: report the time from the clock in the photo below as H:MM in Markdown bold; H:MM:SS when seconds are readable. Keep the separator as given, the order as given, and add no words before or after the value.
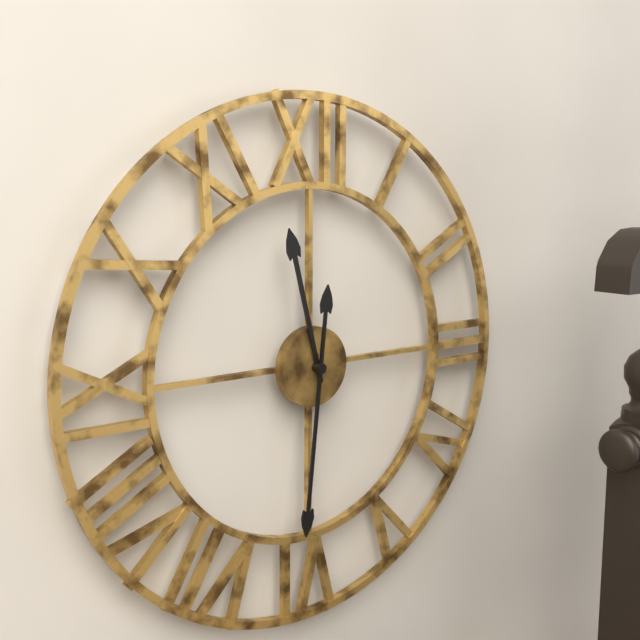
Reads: **11:31**
